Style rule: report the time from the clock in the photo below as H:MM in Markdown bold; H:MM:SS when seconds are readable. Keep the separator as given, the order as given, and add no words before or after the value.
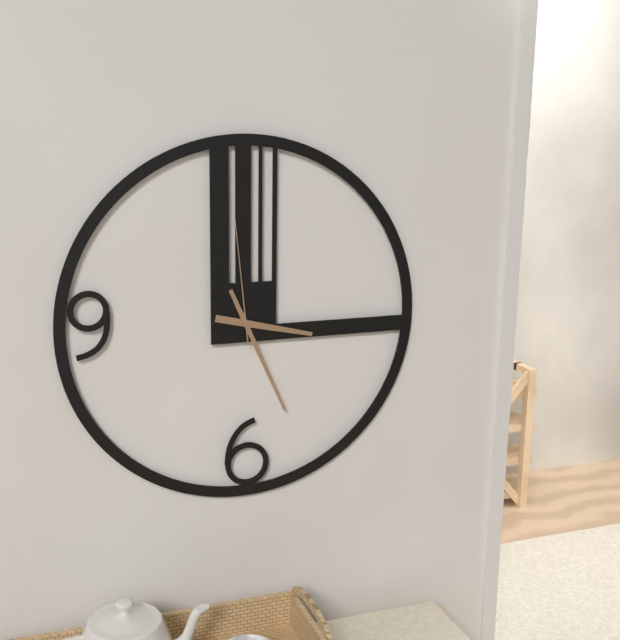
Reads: **3:26:59**
